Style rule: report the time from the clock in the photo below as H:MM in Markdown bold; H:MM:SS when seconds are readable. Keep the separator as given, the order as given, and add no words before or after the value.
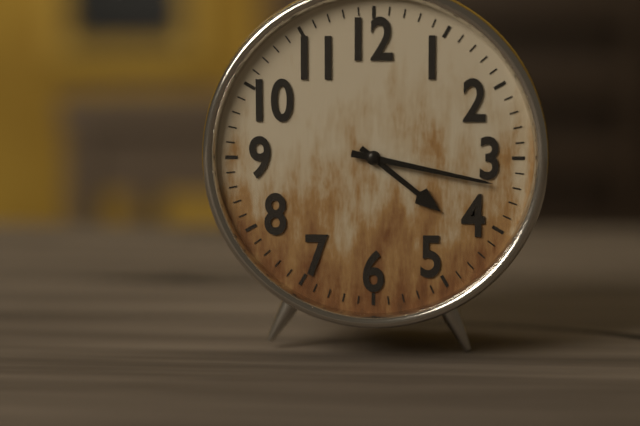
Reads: **4:17**
